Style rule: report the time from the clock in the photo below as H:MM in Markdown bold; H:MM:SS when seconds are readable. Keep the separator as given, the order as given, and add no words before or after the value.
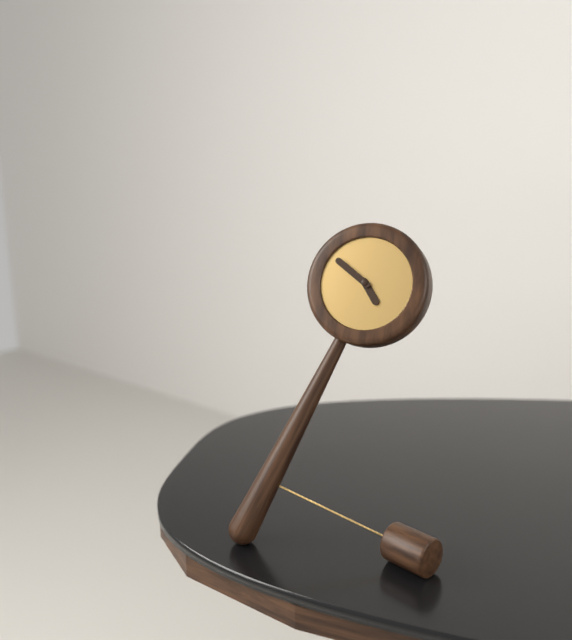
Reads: **4:51**
